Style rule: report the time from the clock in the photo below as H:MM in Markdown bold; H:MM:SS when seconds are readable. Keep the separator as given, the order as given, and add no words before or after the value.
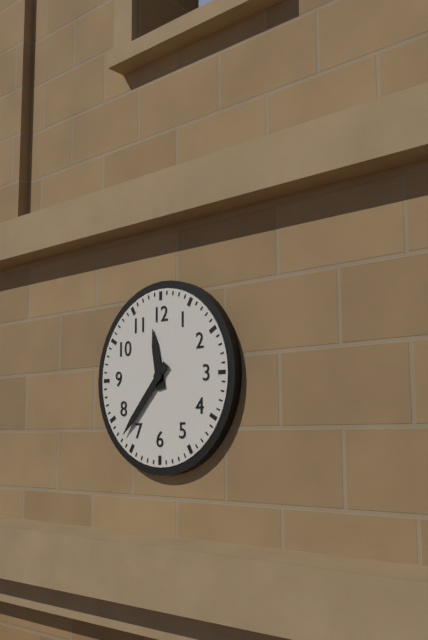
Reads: **11:37**
